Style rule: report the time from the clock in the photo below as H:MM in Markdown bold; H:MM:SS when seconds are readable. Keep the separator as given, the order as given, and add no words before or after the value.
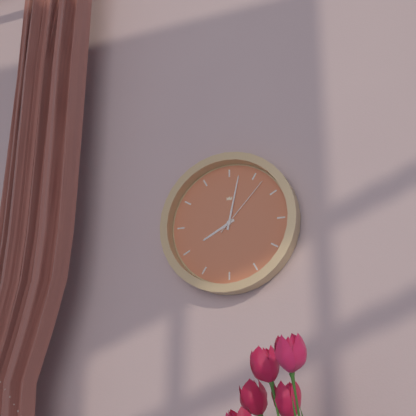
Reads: **8:02:07**
